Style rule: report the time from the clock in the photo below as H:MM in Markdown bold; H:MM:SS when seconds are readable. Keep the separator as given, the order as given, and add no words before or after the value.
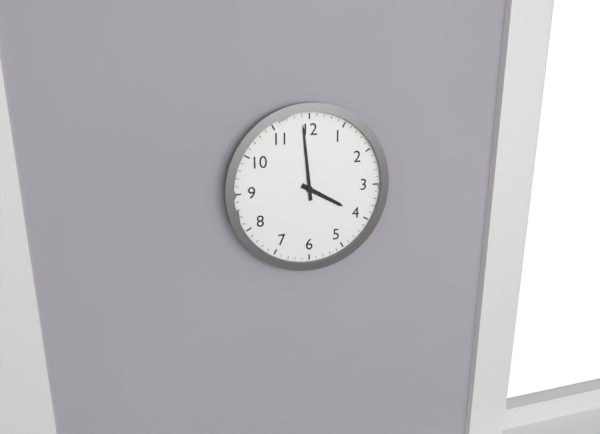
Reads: **3:59**
